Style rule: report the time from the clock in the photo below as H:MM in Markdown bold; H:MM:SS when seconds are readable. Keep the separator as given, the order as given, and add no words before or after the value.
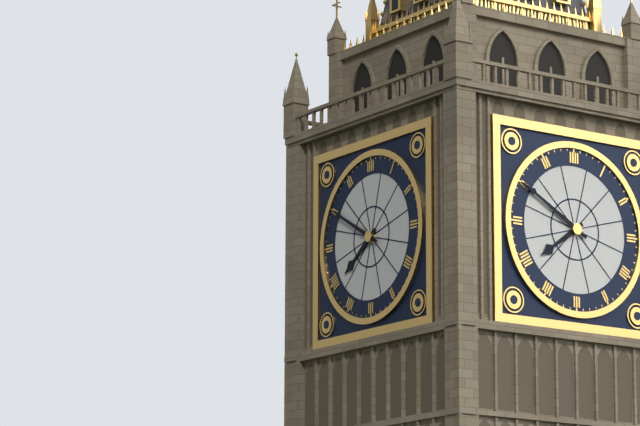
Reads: **7:50**
